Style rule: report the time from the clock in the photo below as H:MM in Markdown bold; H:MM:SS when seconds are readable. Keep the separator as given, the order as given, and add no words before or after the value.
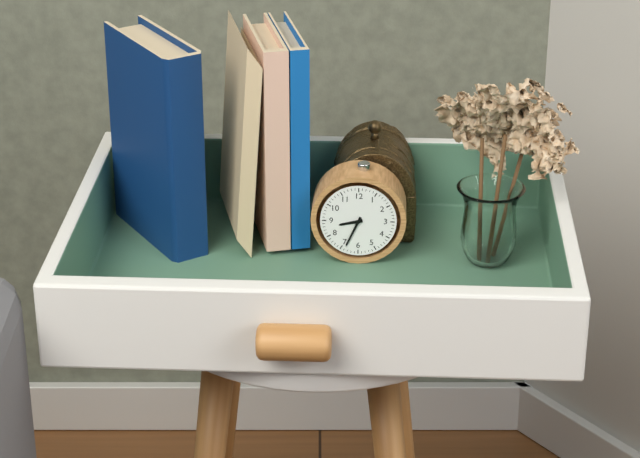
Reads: **8:34**
